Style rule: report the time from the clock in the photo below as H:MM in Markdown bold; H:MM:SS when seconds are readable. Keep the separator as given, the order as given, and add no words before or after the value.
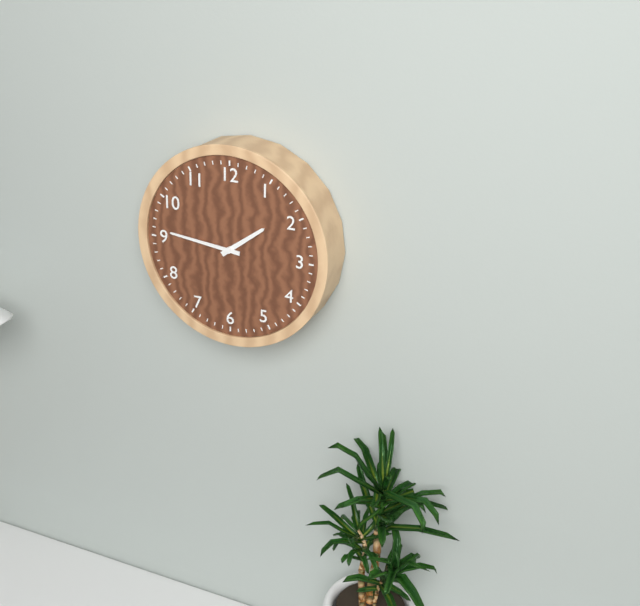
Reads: **1:46**
